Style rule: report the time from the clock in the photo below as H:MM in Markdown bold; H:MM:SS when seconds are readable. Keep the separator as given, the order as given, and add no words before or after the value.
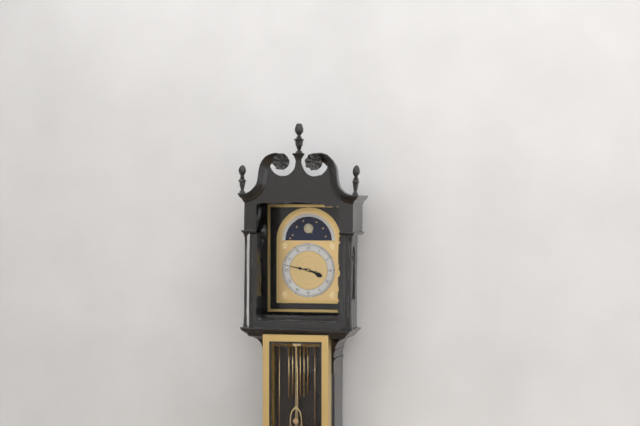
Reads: **3:47**
